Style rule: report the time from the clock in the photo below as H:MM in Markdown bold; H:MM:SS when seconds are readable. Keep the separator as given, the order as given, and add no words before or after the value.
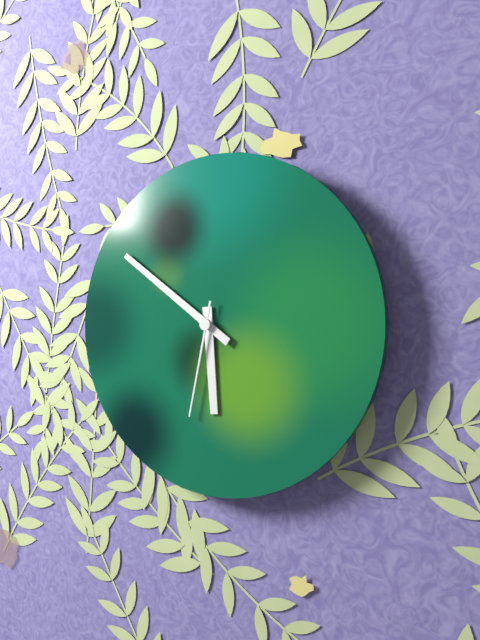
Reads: **5:51:32**
